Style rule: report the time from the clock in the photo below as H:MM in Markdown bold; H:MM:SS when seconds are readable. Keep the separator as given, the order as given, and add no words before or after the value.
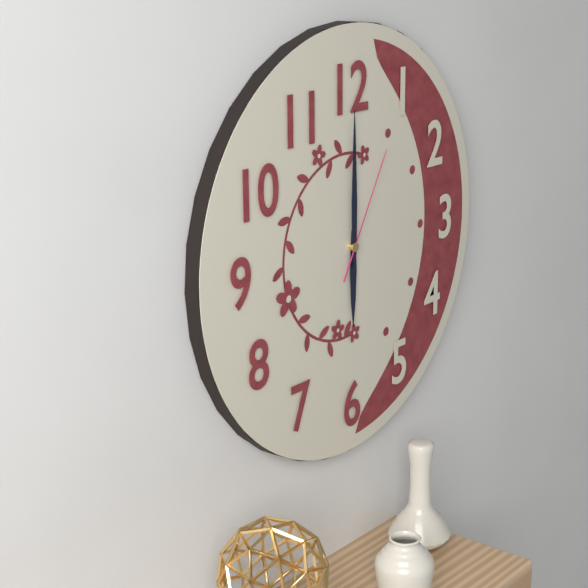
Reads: **6:00:05**
